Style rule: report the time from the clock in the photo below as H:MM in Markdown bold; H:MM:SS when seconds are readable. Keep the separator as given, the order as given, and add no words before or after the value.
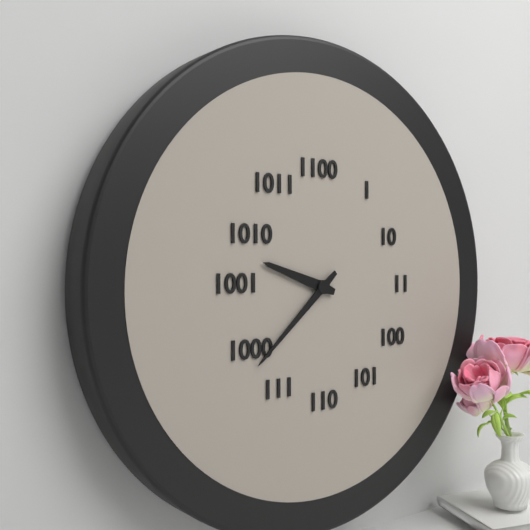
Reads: **9:38**
